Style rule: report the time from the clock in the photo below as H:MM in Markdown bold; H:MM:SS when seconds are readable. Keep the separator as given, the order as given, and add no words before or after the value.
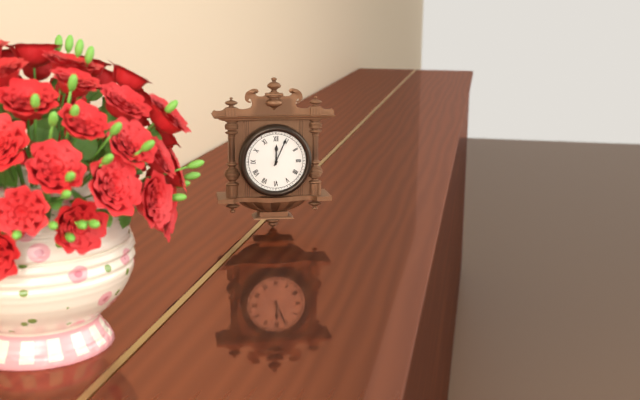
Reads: **12:04**
